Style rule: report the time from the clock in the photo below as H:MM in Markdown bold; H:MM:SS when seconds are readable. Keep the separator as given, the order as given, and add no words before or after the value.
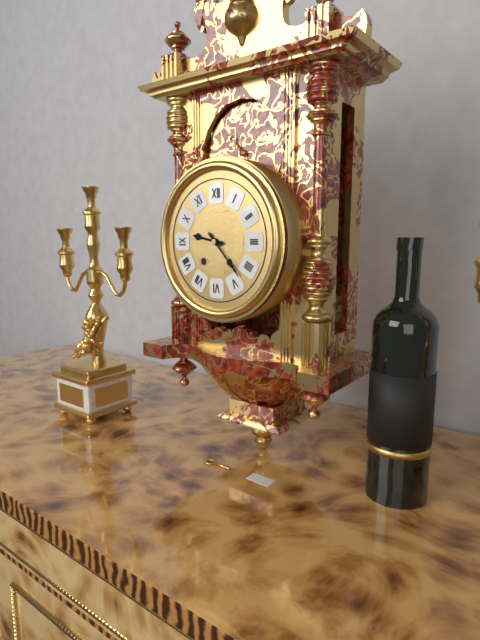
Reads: **9:23**
